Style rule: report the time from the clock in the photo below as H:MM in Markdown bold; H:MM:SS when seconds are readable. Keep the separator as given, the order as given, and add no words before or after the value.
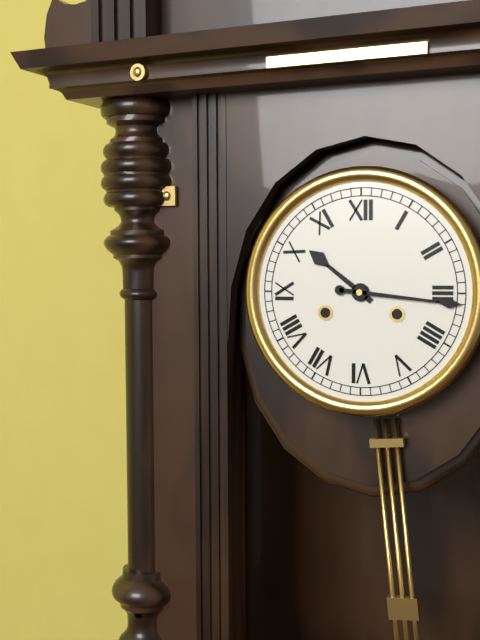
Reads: **10:16**
